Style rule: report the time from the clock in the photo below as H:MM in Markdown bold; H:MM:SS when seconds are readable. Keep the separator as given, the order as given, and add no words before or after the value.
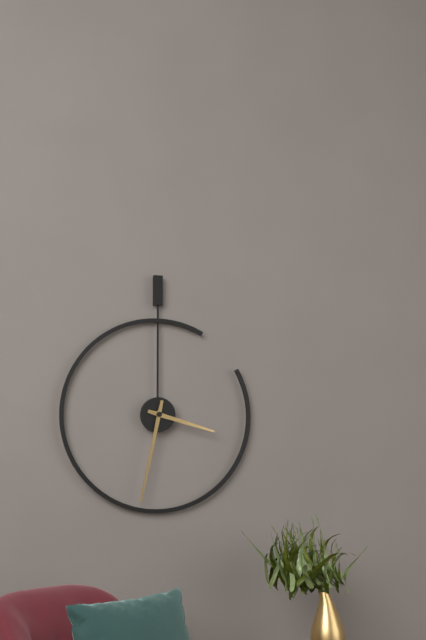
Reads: **3:32**
